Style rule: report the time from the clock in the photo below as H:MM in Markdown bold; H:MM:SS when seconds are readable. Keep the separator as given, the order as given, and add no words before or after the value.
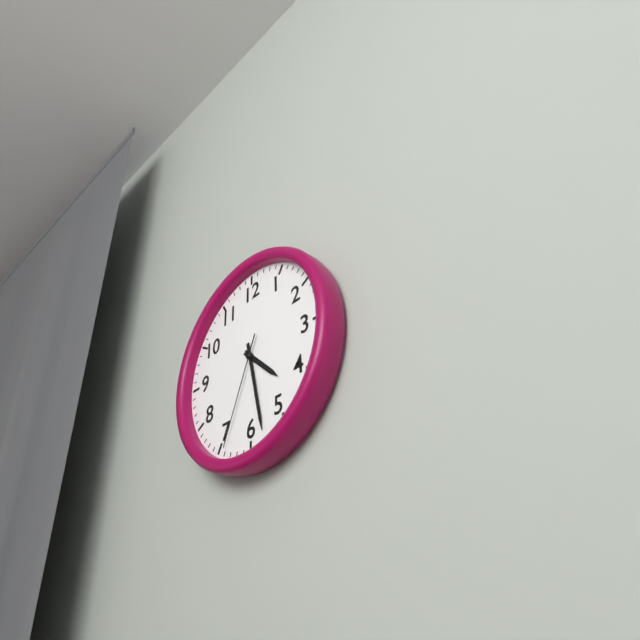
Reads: **4:28:34**
